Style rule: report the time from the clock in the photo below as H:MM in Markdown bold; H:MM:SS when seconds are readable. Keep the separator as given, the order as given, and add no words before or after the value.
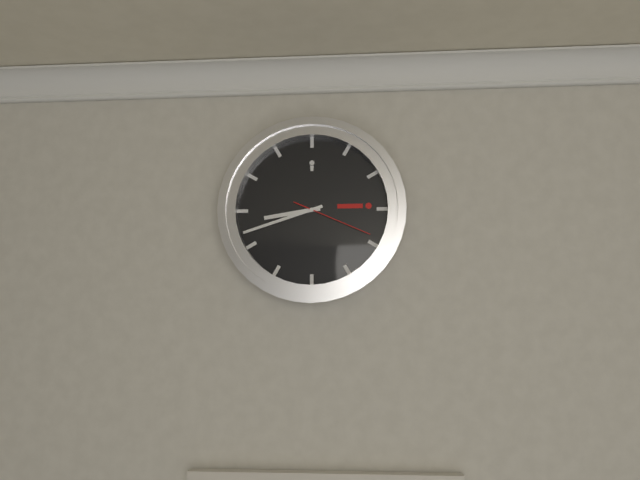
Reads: **8:42:19**
